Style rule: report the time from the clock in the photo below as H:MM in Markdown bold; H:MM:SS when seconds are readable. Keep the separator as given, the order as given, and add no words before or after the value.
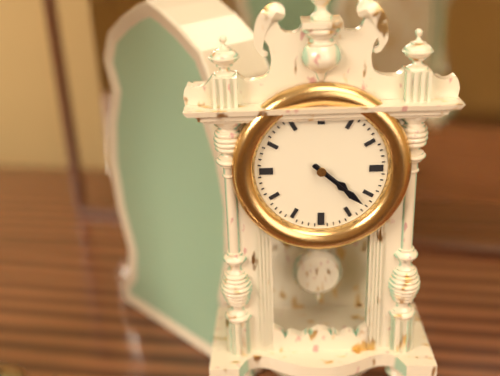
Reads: **4:22**
